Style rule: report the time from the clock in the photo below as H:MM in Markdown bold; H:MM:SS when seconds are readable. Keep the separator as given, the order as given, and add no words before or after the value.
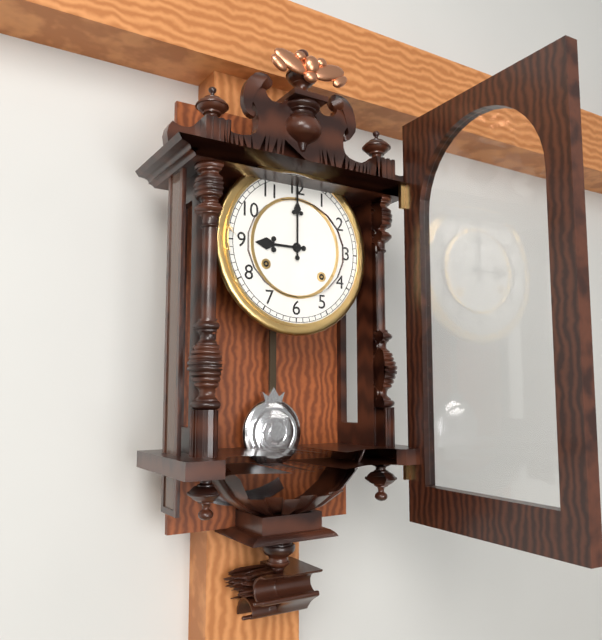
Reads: **9:00**
